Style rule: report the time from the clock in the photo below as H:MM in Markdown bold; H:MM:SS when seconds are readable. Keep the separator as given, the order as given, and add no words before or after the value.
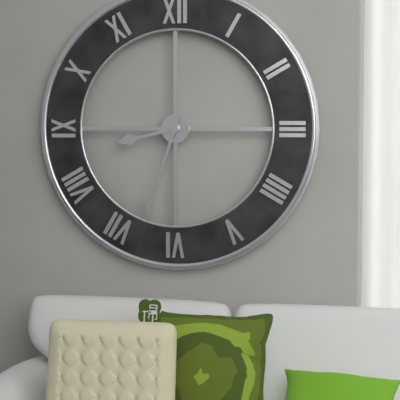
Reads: **8:33**
